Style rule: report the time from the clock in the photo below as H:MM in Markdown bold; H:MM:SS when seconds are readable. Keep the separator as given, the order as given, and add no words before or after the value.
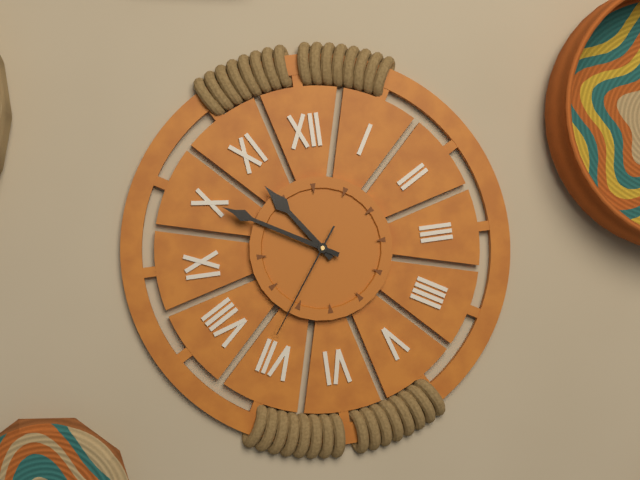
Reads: **10:50:36**
